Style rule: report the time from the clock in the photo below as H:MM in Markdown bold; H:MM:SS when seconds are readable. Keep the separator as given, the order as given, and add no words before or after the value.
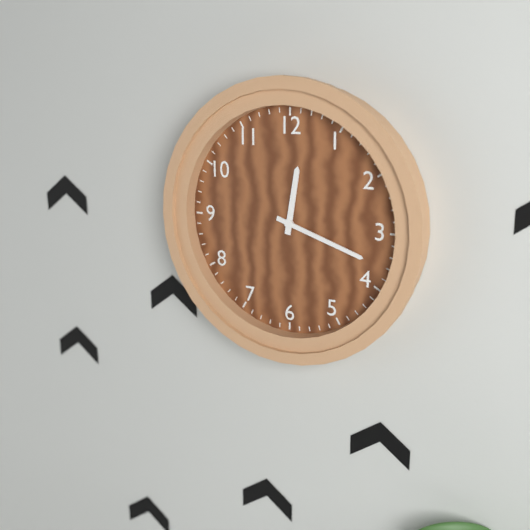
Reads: **12:18**
